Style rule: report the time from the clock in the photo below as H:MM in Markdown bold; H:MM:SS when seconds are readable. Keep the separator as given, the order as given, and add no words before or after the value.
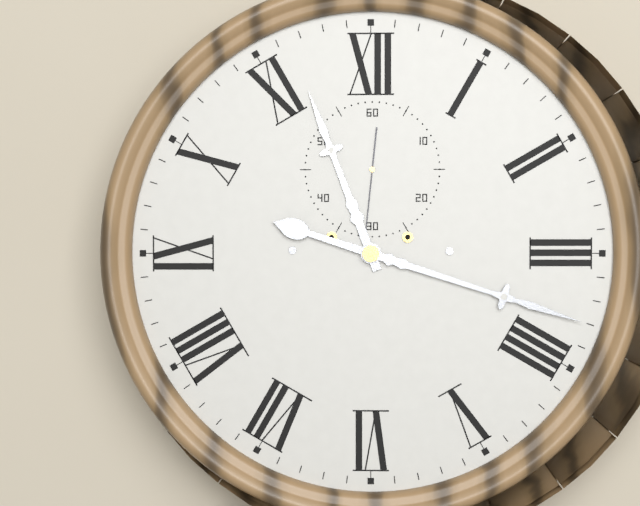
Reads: **11:18:31**
